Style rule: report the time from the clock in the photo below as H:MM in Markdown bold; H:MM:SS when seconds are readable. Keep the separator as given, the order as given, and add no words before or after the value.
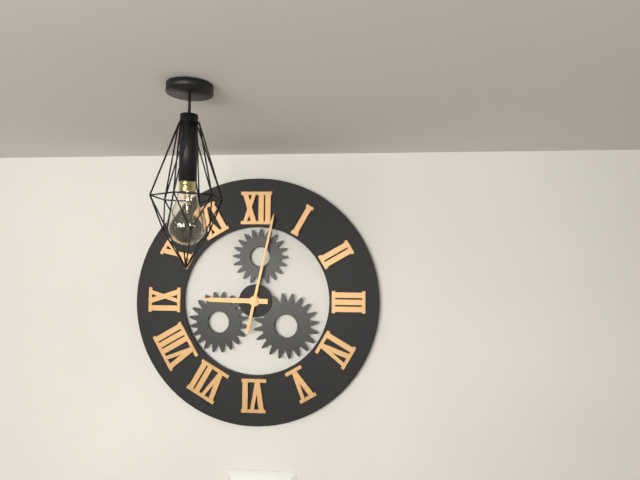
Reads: **9:02**
